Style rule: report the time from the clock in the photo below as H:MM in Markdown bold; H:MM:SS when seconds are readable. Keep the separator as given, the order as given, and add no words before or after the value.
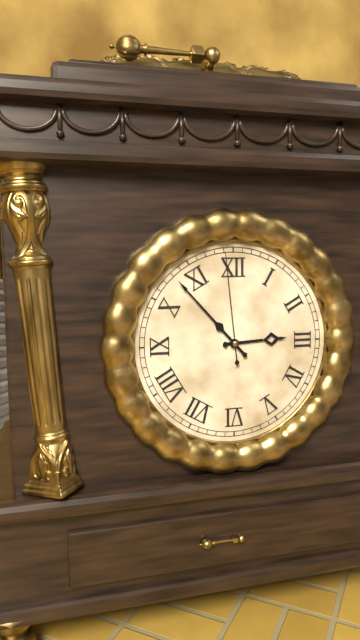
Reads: **2:53:59**
